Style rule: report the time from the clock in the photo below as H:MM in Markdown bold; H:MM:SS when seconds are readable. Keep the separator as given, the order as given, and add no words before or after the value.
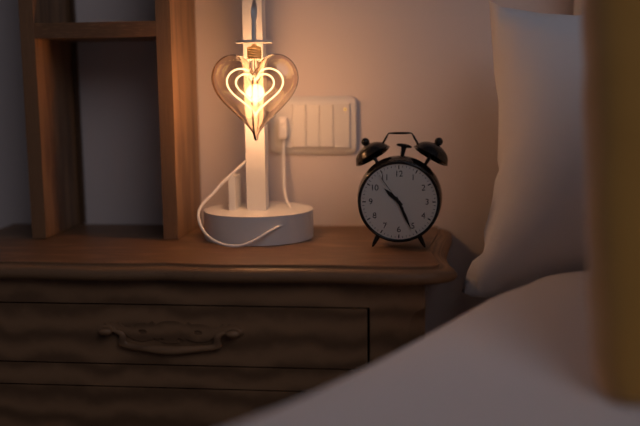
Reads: **10:26**
